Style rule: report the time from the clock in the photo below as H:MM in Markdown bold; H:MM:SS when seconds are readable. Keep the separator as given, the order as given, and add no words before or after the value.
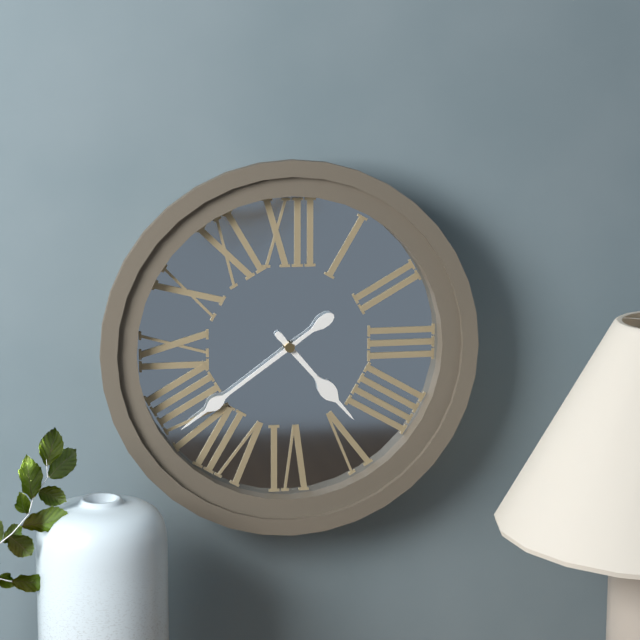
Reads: **4:39**
